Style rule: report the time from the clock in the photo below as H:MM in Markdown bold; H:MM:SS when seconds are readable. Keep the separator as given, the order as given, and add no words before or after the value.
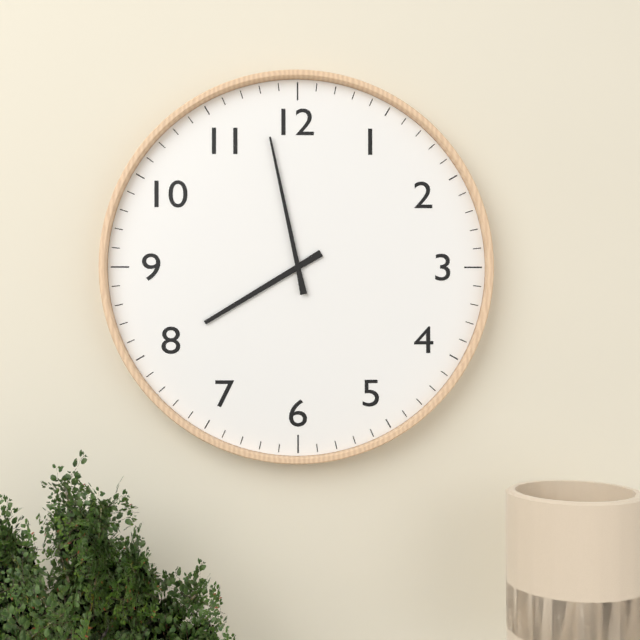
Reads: **7:58**
